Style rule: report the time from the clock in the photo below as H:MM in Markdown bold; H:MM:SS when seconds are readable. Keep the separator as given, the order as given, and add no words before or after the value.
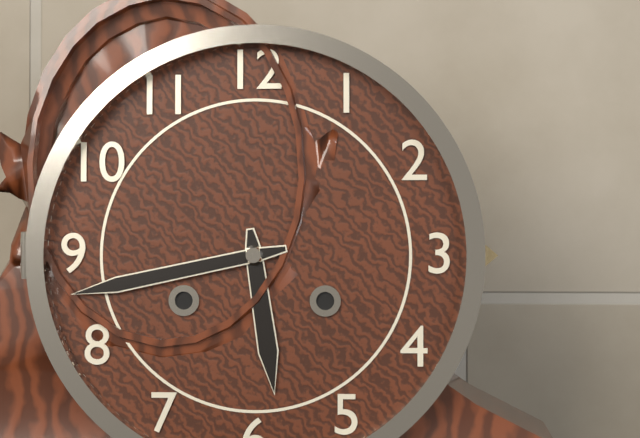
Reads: **5:43**
